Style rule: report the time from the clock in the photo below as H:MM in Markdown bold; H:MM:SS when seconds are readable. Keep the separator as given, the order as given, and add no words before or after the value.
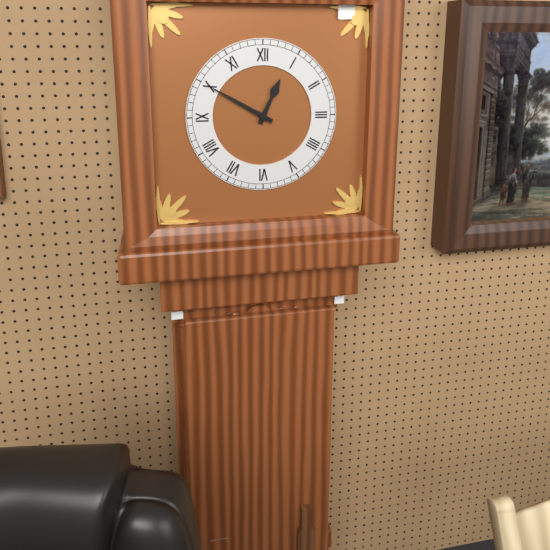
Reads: **12:50**
